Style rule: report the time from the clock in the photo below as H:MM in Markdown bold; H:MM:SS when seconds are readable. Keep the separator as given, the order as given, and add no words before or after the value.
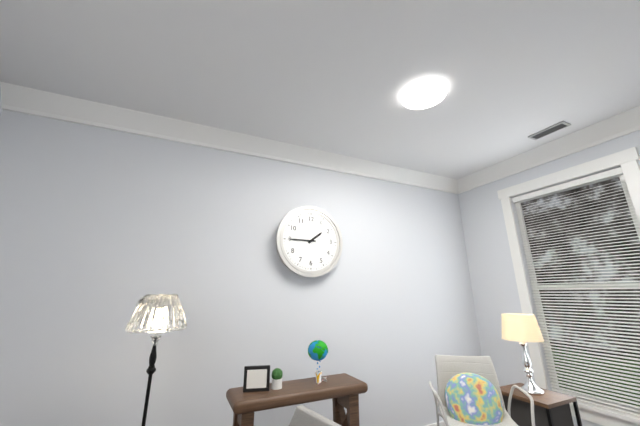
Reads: **1:45**
